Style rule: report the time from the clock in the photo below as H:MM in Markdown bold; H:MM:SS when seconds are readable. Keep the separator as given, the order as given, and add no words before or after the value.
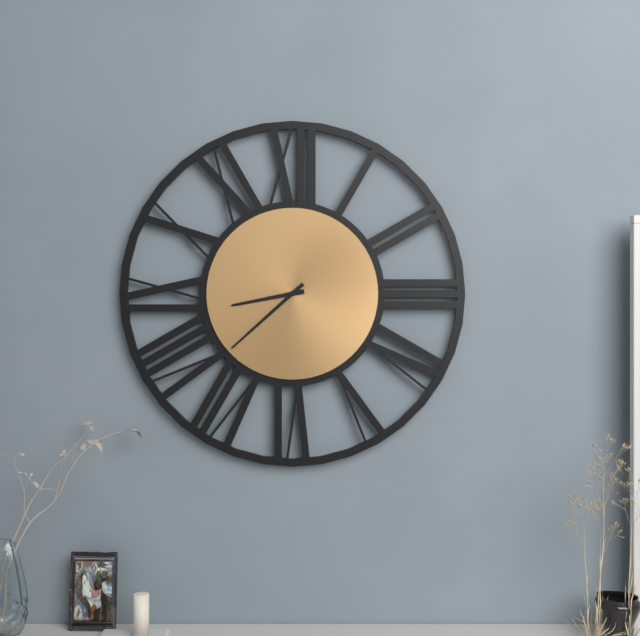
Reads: **8:38**
